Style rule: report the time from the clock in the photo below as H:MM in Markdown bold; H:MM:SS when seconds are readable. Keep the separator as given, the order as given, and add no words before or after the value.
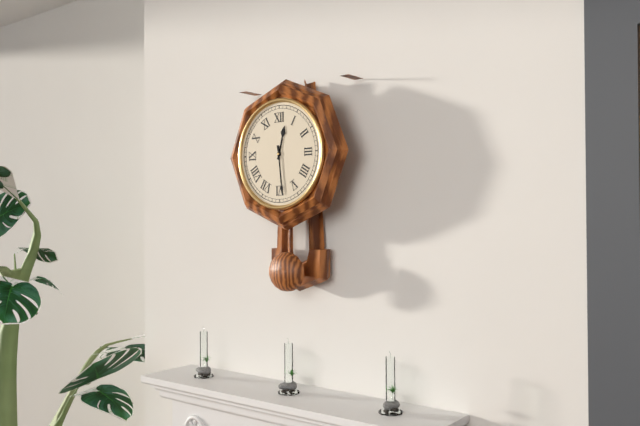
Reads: **12:29**
